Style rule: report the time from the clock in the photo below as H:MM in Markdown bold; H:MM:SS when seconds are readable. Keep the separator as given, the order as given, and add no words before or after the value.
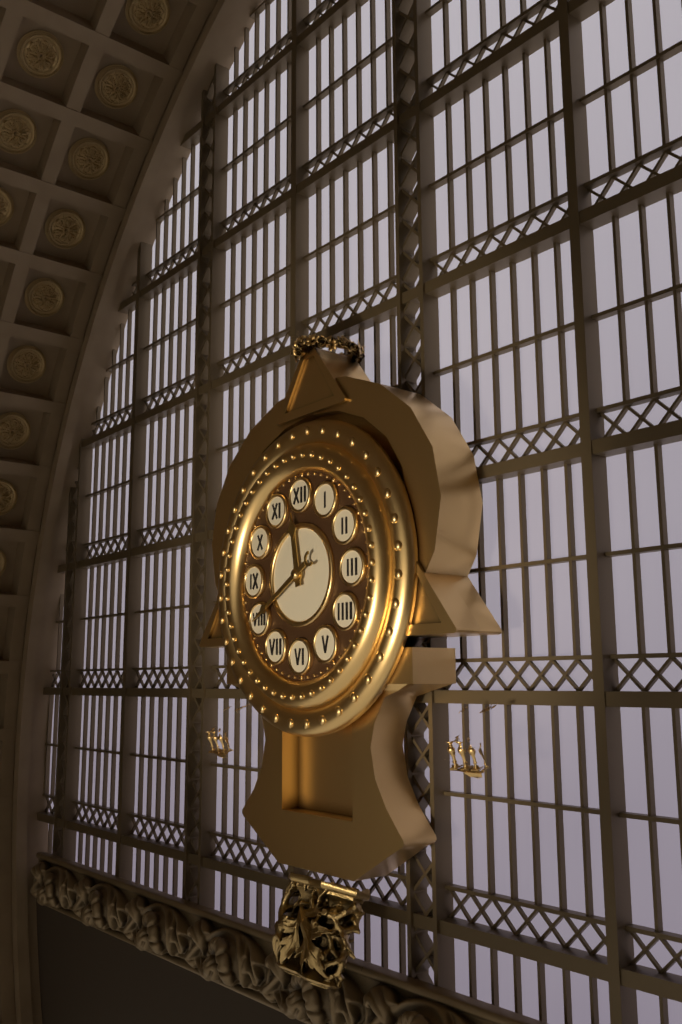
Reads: **11:40**
